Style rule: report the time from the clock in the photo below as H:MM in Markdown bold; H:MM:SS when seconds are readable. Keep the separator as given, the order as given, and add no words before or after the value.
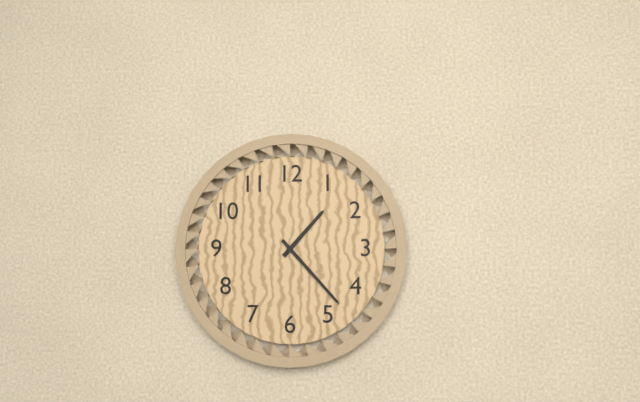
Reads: **1:23**
